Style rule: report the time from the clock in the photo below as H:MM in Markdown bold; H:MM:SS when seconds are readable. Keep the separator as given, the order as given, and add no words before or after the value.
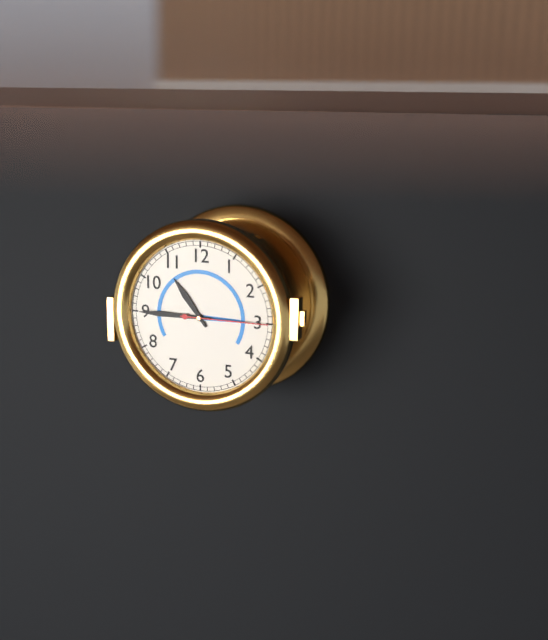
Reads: **10:45:15**
